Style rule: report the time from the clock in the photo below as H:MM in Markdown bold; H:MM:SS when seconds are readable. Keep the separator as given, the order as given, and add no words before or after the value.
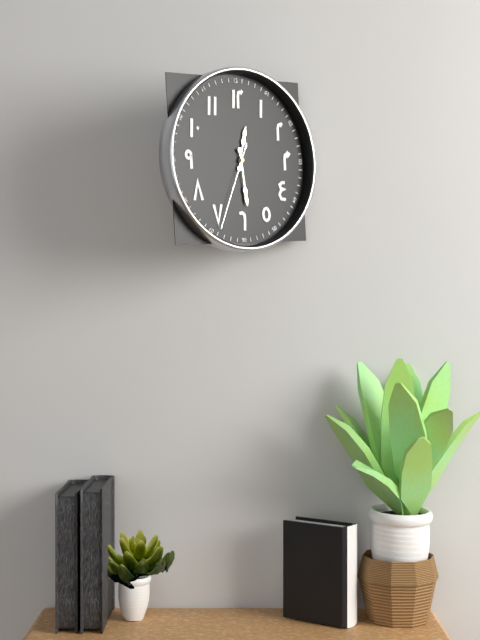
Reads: **12:29:34**
